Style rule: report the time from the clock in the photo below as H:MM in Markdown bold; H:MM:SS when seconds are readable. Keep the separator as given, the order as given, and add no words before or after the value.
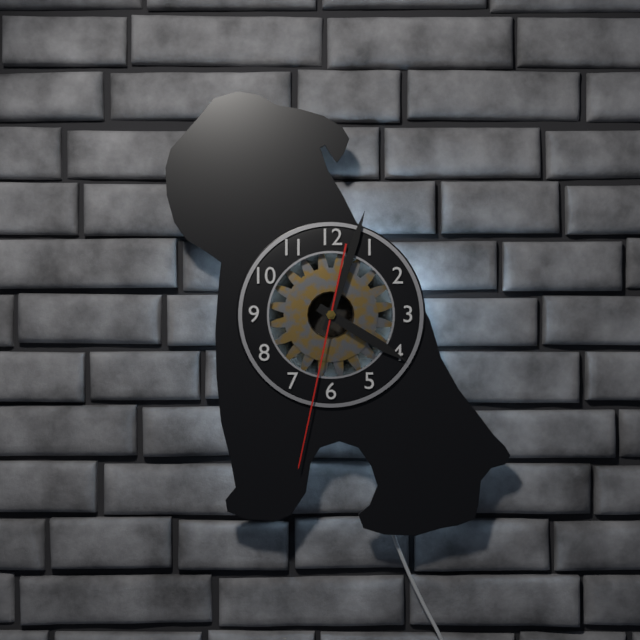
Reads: **4:03:32**
